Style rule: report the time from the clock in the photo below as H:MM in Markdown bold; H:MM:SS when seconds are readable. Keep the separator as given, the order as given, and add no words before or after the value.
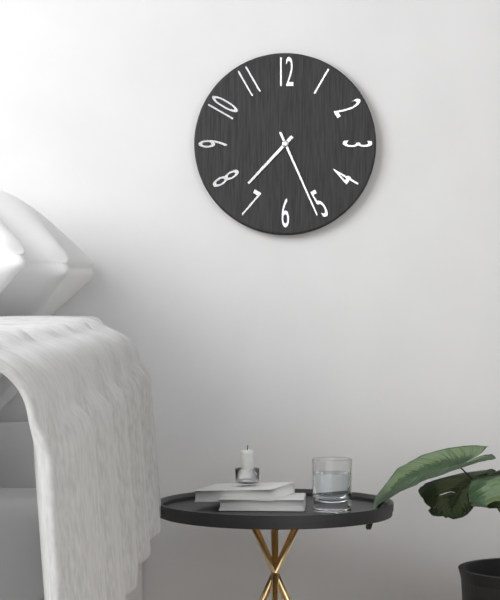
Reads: **7:26**
